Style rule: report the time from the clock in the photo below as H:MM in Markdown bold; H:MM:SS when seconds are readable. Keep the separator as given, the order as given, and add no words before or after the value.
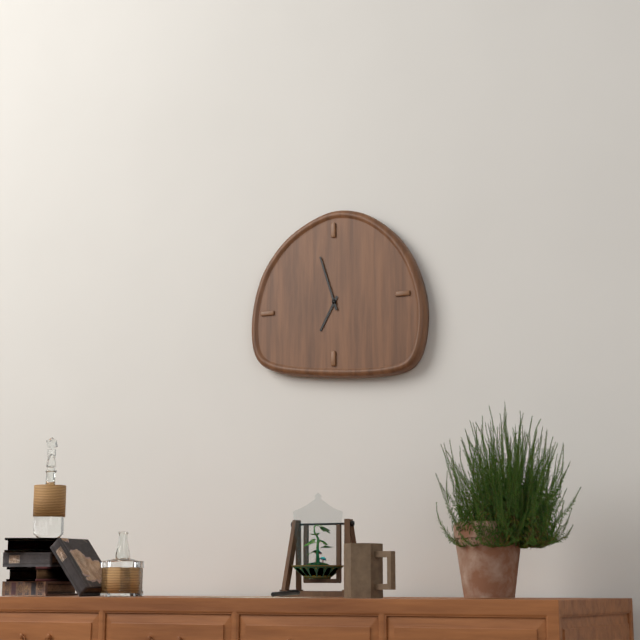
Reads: **6:57**
